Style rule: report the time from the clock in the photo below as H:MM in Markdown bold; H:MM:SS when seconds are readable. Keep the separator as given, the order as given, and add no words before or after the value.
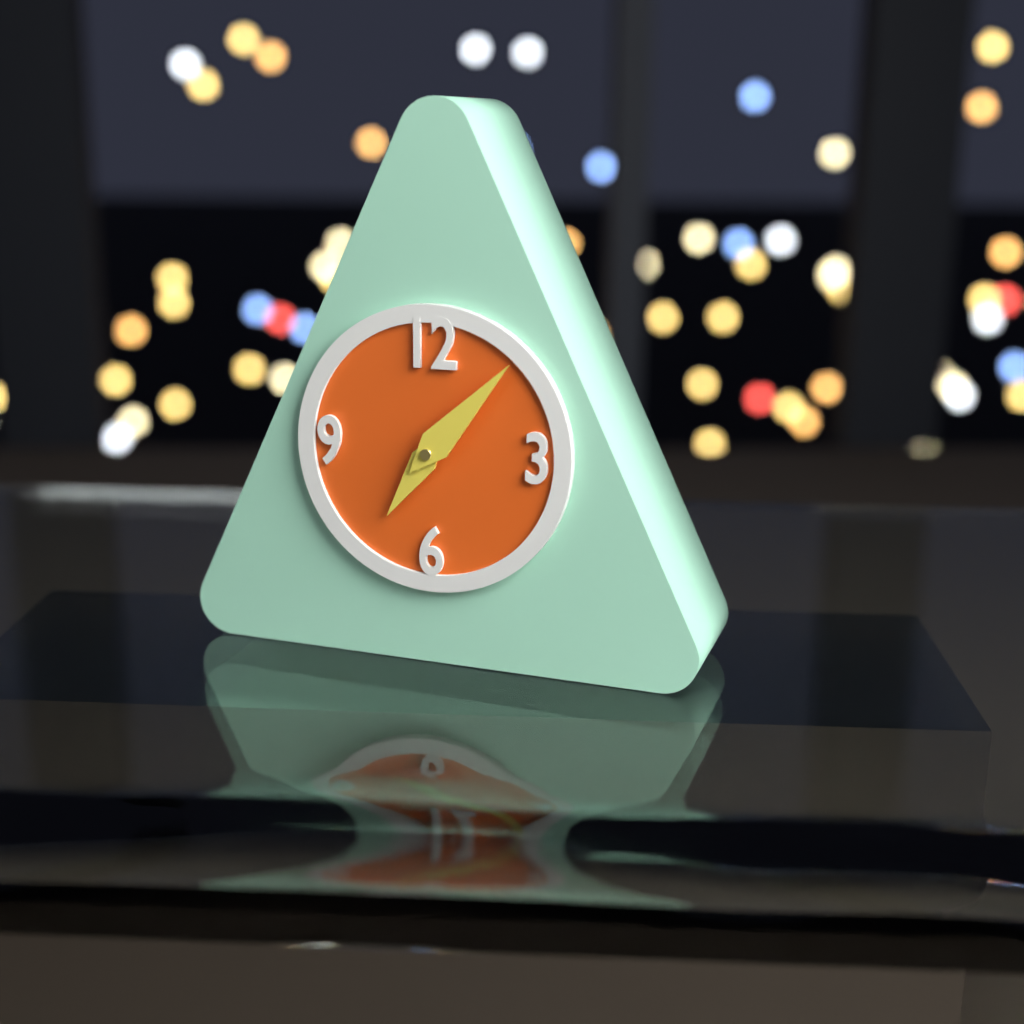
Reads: **7:07**
